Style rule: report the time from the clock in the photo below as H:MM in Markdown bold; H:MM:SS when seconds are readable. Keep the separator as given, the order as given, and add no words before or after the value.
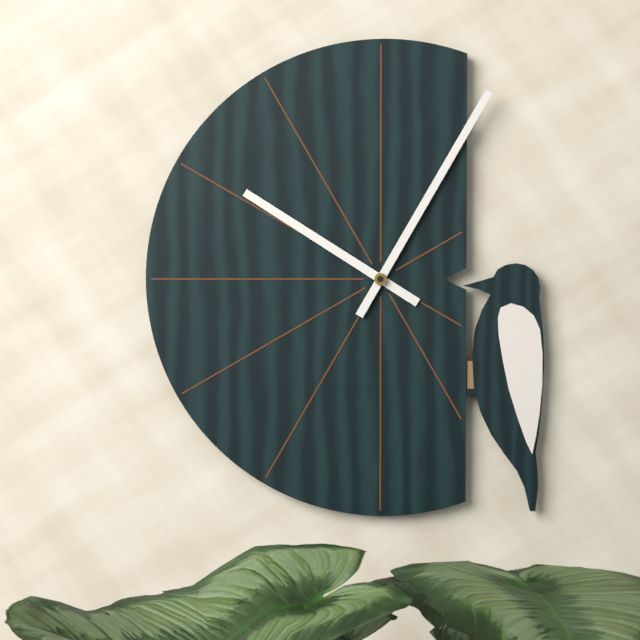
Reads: **10:05**
